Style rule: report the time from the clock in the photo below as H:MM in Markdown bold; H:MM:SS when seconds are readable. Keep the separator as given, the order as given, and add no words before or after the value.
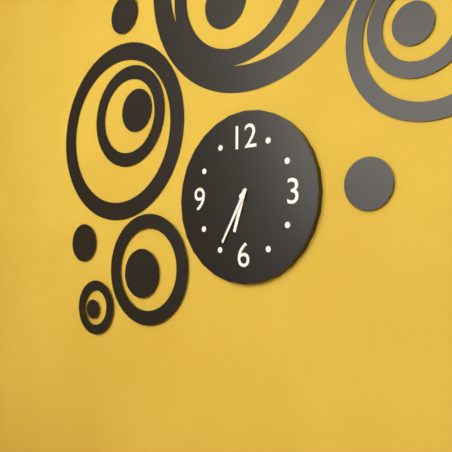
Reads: **6:35**
